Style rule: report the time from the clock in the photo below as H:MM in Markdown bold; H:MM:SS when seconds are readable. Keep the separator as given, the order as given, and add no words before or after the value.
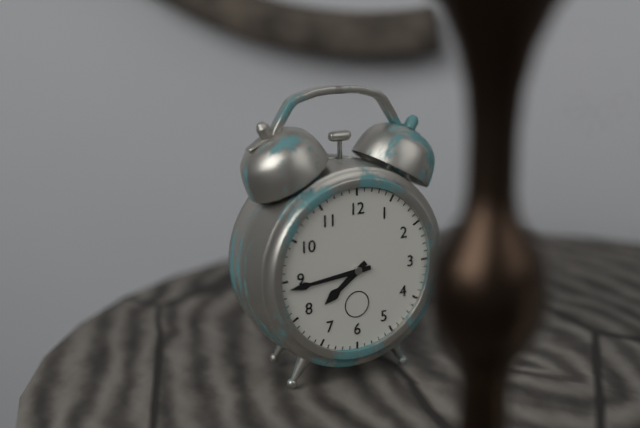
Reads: **7:44**
